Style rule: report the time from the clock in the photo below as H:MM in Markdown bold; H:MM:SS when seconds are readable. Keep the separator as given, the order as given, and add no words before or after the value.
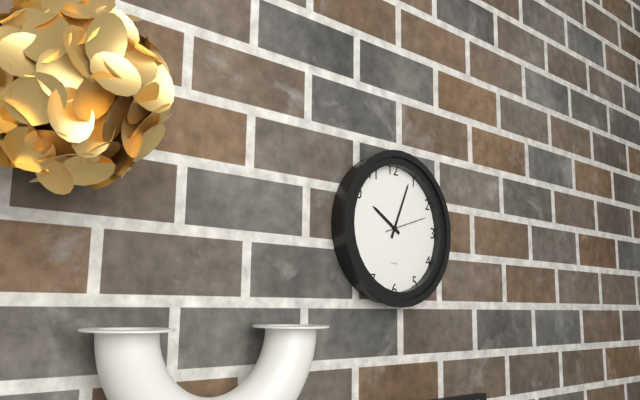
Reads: **10:04**
